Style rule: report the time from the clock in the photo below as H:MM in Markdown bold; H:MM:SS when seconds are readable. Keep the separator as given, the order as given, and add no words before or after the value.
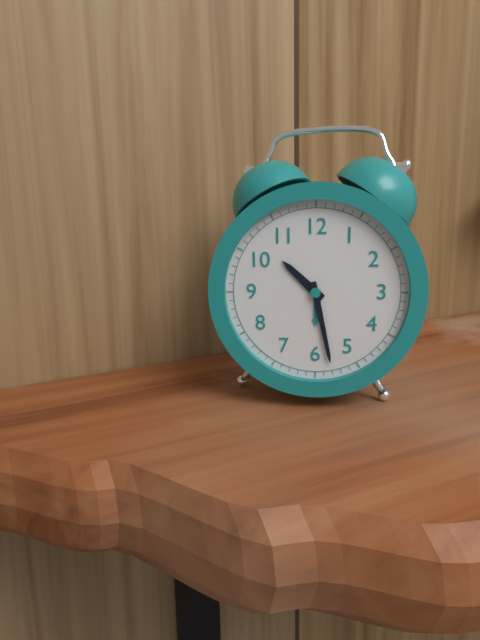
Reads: **10:28**
